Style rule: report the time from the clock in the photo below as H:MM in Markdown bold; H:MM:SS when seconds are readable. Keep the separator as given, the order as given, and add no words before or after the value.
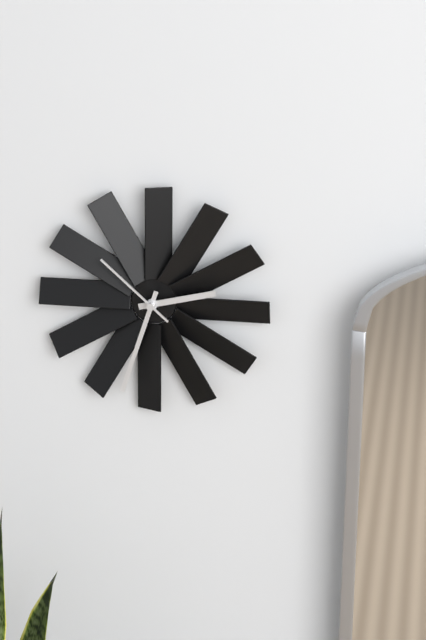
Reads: **2:33:52**
